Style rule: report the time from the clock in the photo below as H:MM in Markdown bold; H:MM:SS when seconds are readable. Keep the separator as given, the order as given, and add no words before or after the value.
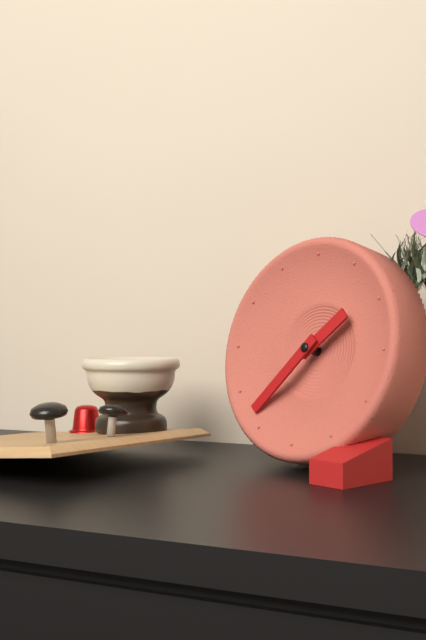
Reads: **1:37**
